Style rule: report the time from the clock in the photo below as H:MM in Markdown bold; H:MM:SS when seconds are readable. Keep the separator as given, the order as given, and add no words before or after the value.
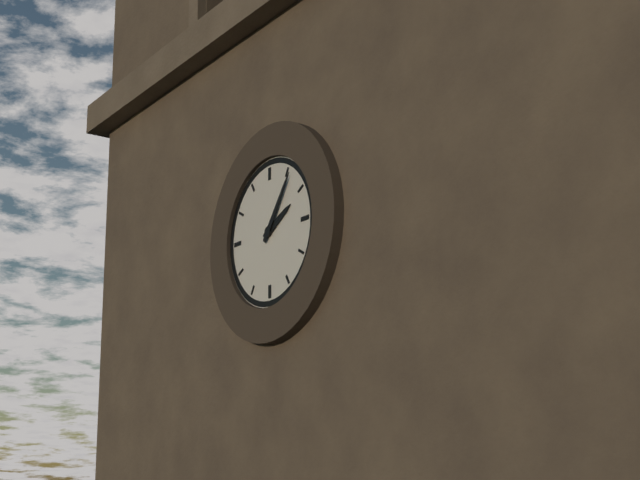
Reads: **2:06**
